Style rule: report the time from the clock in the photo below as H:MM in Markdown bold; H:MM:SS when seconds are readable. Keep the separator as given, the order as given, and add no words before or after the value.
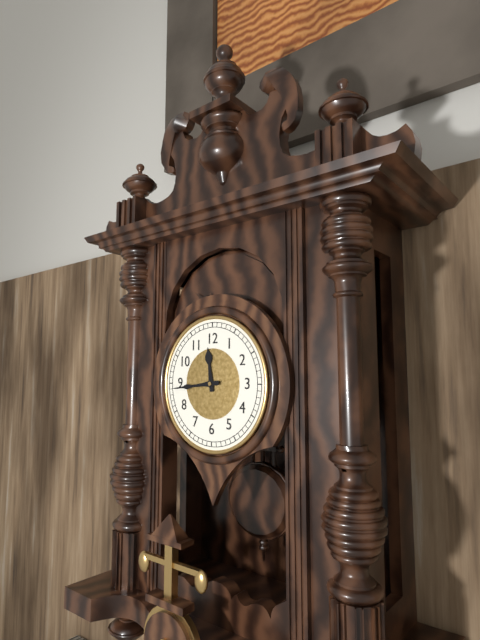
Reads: **11:44**
